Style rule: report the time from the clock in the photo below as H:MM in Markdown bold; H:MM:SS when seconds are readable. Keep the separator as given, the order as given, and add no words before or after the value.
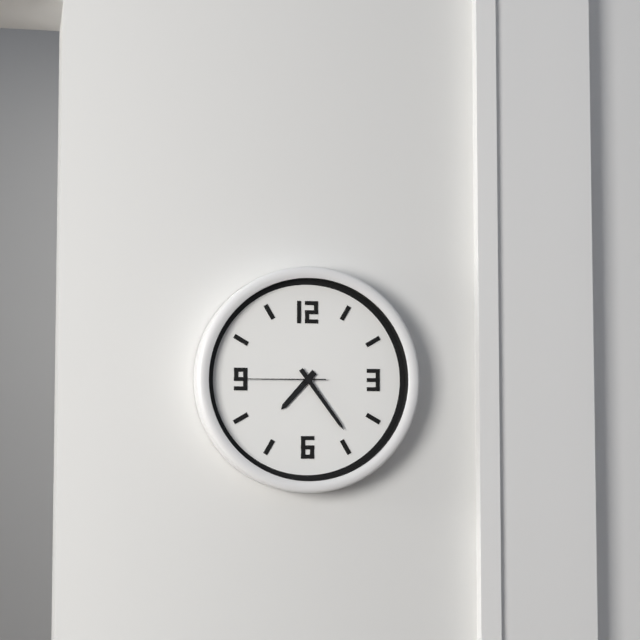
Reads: **7:24:45**
